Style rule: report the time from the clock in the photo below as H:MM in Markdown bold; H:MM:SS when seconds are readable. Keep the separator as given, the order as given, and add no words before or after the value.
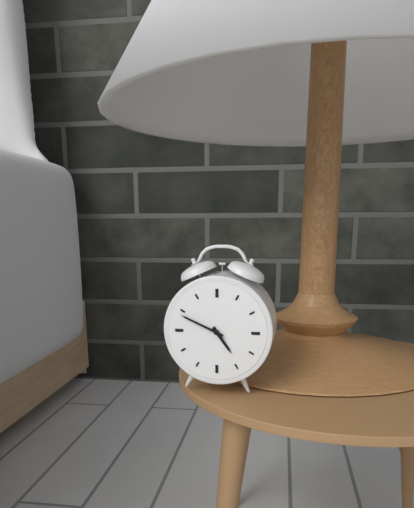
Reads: **4:49**
